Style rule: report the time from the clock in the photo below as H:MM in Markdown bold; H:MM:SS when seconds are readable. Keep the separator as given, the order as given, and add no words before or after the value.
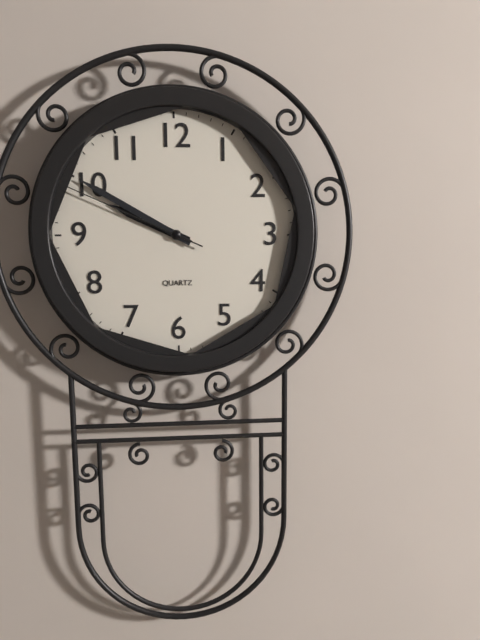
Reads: **9:50:49**
